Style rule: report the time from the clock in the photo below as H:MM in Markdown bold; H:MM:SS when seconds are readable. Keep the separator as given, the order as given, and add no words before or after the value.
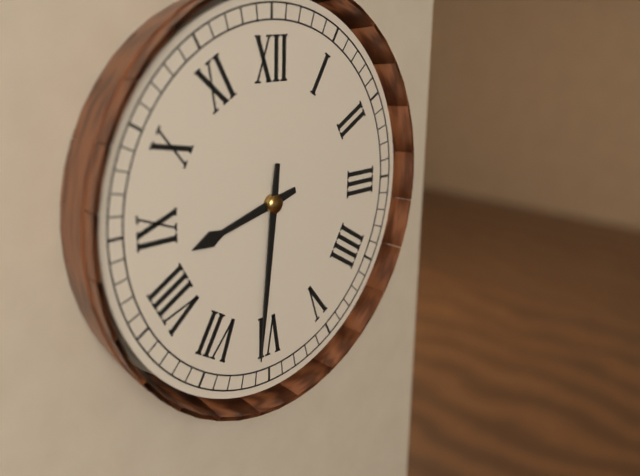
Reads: **8:31**
